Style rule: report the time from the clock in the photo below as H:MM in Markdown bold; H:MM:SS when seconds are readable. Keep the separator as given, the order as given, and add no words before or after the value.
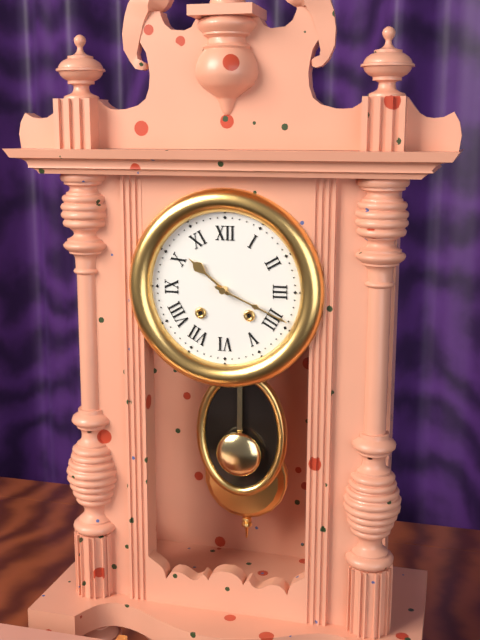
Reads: **10:19**
